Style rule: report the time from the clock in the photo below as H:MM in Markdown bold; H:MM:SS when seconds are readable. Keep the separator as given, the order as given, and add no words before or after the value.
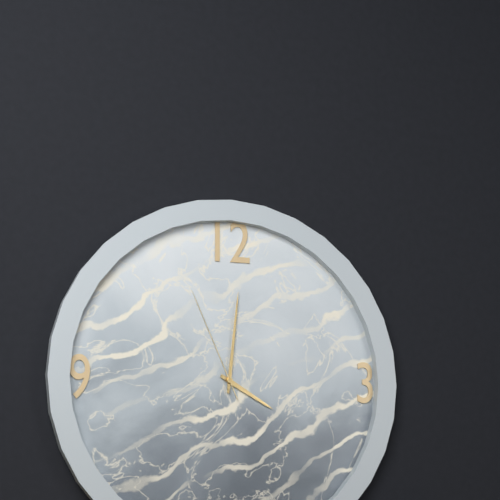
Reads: **4:01:56**
